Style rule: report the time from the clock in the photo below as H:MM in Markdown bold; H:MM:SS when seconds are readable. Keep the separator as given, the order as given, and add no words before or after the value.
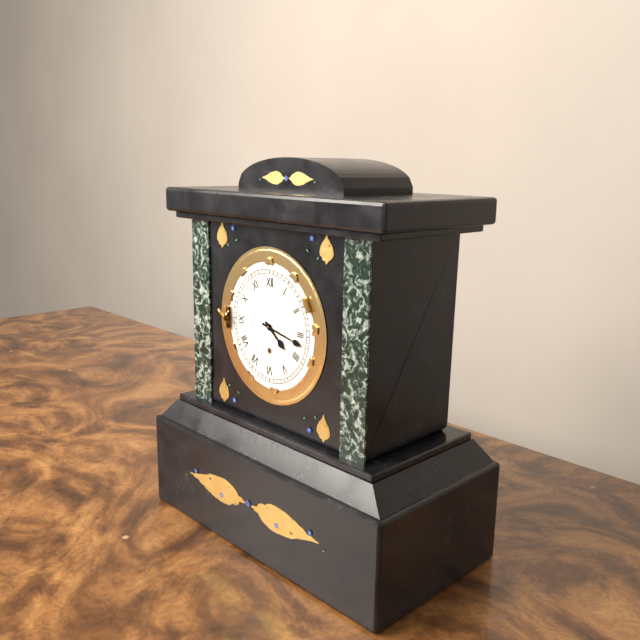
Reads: **4:17**
